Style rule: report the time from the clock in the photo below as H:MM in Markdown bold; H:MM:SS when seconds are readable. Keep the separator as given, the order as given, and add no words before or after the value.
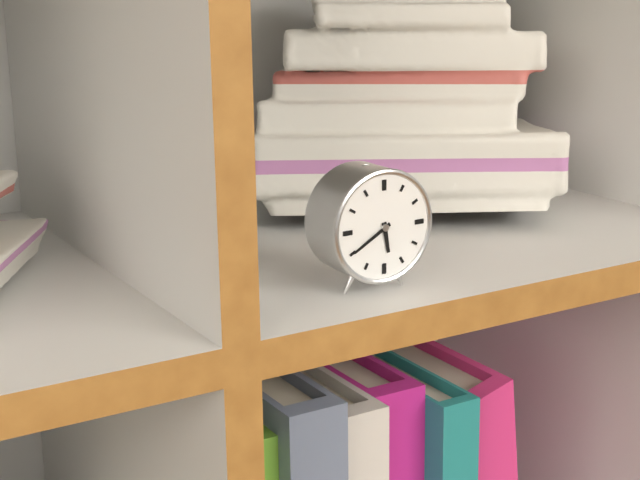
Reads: **5:40**
